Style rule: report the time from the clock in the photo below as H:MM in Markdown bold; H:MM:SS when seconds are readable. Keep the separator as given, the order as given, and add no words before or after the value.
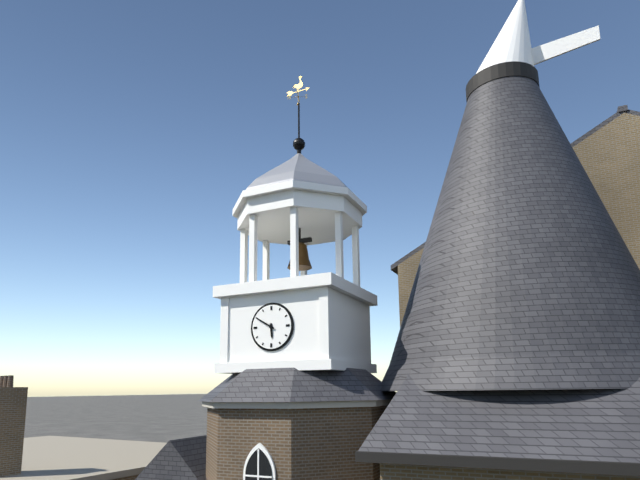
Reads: **5:50**
